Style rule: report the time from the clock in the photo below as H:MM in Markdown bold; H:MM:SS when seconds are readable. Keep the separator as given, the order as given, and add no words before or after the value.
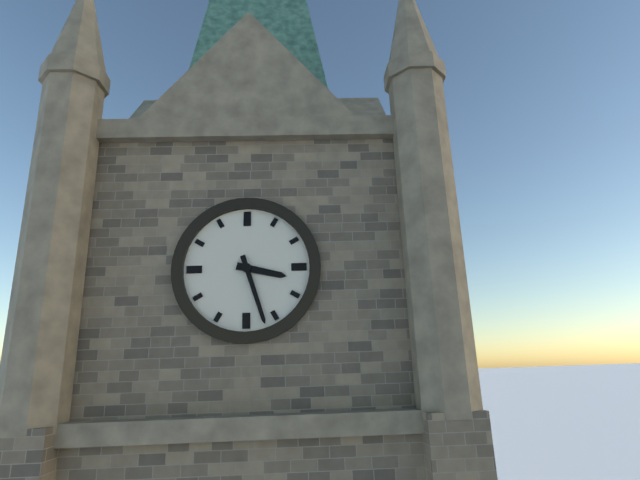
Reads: **3:27**
